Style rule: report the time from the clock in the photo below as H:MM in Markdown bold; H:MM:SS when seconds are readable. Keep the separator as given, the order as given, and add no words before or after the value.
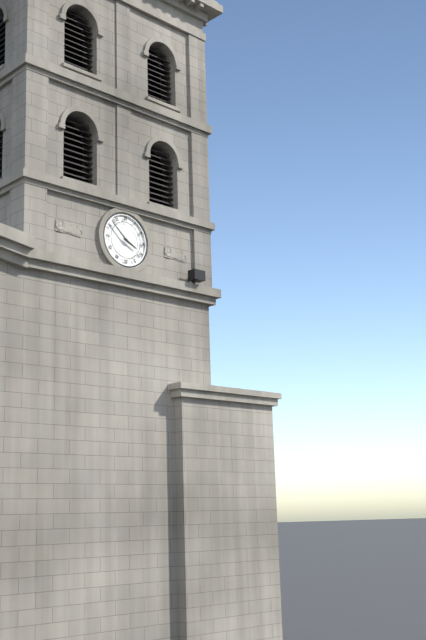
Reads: **3:52**
